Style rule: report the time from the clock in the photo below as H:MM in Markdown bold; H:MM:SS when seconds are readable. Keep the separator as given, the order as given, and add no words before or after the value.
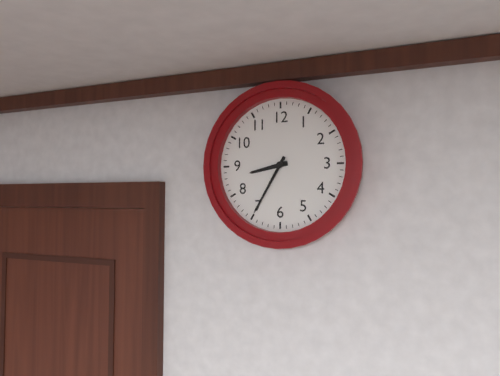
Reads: **8:35**
